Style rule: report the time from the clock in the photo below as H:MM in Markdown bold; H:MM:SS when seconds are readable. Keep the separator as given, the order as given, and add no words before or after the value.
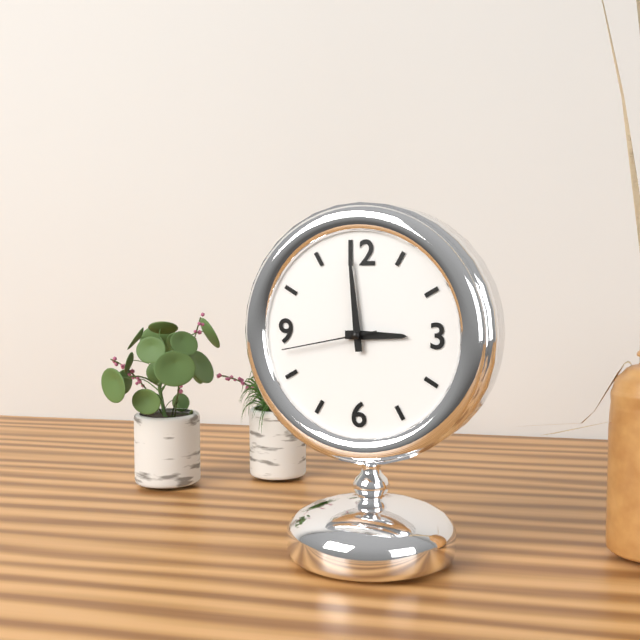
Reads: **2:59:43**
